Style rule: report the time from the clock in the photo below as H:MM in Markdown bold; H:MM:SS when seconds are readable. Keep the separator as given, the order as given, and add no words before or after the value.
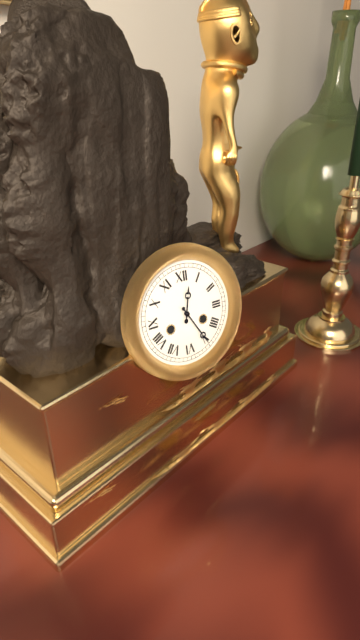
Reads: **12:25**
